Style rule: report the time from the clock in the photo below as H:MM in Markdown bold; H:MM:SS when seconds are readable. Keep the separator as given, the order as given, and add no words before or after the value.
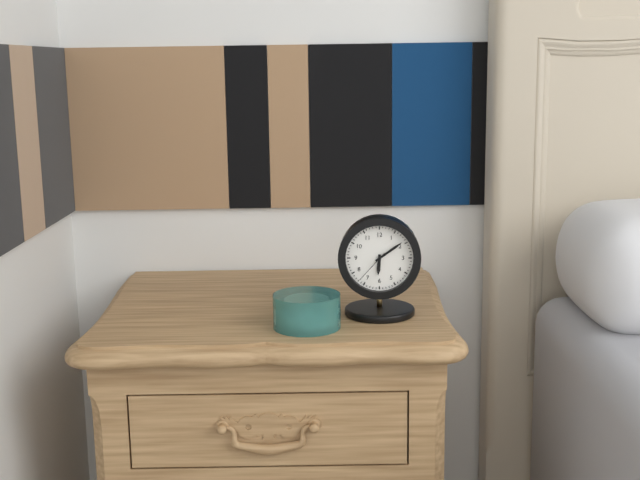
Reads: **6:09**
